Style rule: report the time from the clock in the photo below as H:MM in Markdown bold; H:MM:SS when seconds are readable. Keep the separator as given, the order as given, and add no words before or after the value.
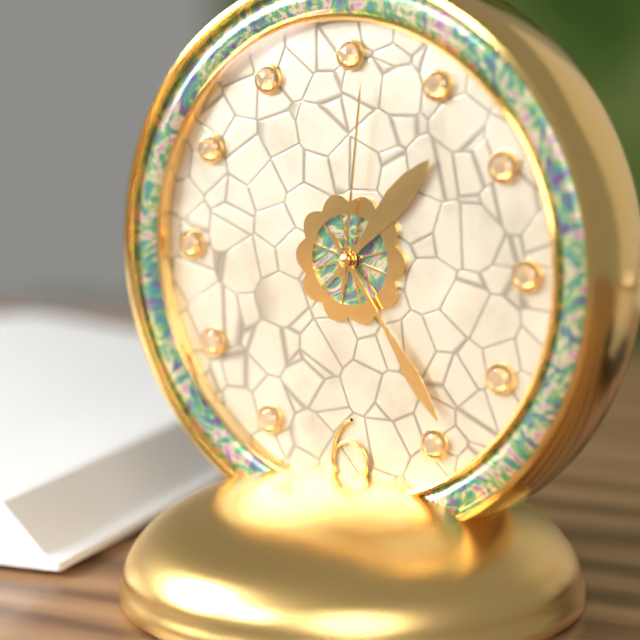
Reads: **1:24:01**
